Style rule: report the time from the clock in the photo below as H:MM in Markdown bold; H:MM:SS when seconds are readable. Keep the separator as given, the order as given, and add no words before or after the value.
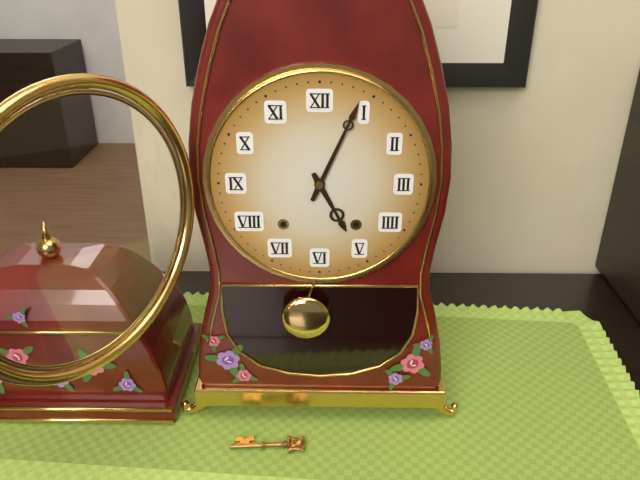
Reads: **5:04**
